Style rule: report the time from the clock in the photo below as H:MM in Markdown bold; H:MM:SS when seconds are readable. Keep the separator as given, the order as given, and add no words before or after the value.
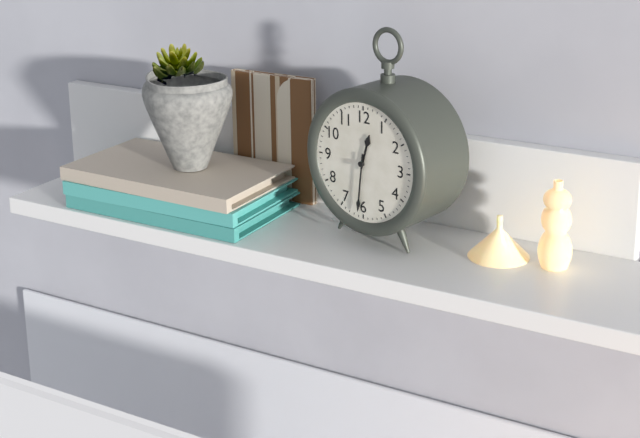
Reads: **12:31**
